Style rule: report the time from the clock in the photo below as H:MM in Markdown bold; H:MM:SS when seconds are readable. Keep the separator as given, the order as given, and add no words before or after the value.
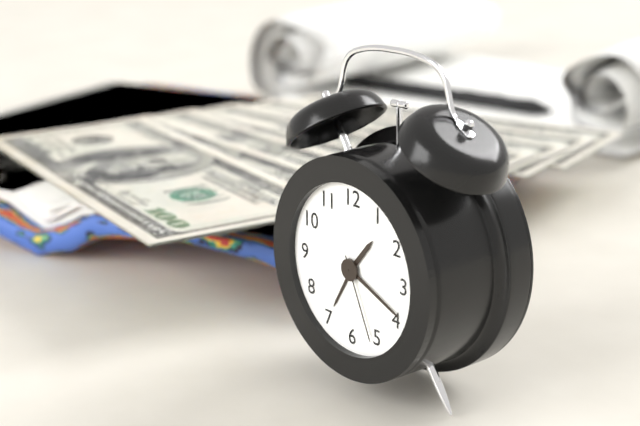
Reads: **1:19:26**
